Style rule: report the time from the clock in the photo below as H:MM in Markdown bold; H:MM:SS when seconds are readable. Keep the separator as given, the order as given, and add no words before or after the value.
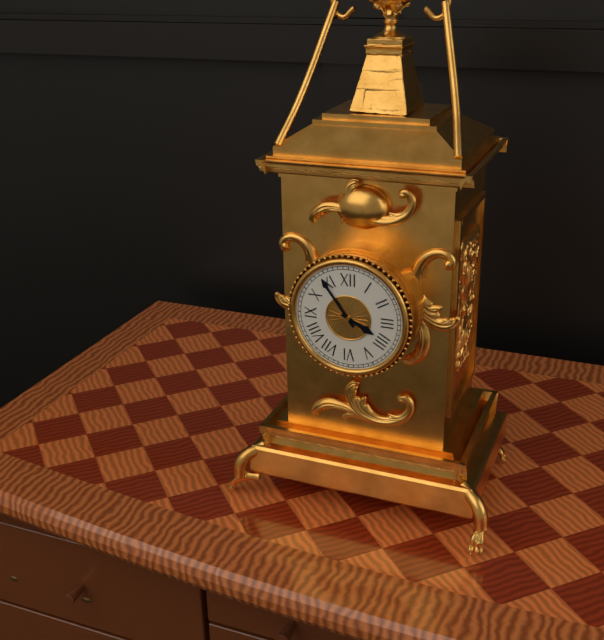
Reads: **3:54**
